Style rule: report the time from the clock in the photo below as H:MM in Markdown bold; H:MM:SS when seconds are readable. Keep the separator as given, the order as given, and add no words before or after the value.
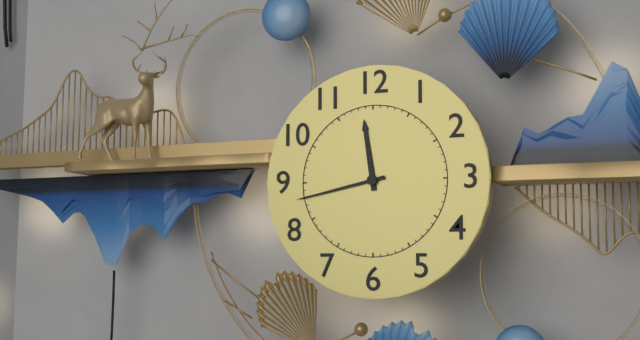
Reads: **11:43**
